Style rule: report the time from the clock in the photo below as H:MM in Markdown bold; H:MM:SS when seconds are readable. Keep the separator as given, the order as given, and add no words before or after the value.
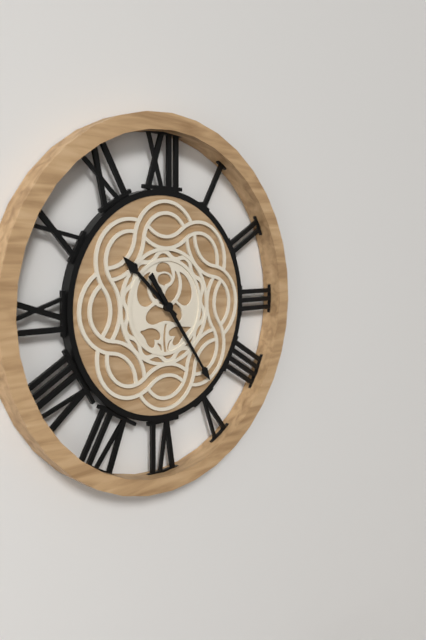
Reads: **10:24**
